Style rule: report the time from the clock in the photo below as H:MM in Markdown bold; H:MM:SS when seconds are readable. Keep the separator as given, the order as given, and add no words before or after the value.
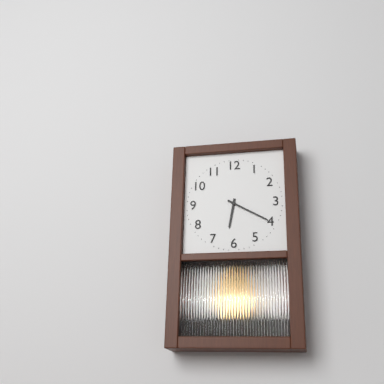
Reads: **6:20**
